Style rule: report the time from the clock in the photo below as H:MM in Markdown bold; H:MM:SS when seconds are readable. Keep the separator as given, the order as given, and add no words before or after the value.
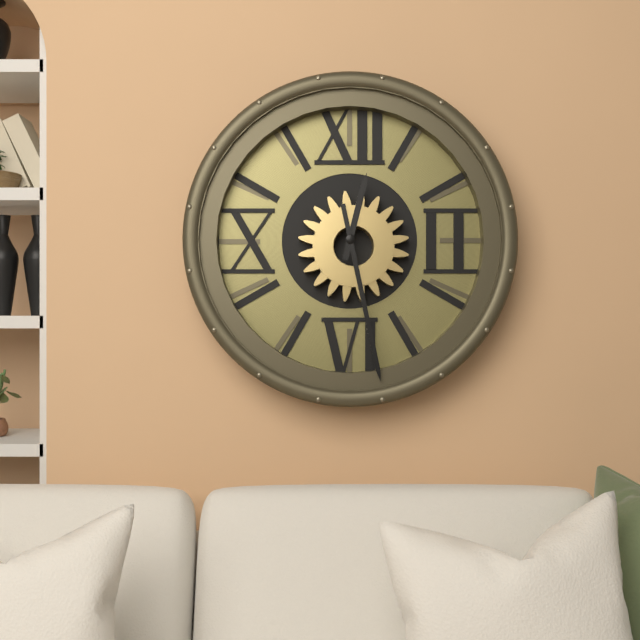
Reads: **12:28**
